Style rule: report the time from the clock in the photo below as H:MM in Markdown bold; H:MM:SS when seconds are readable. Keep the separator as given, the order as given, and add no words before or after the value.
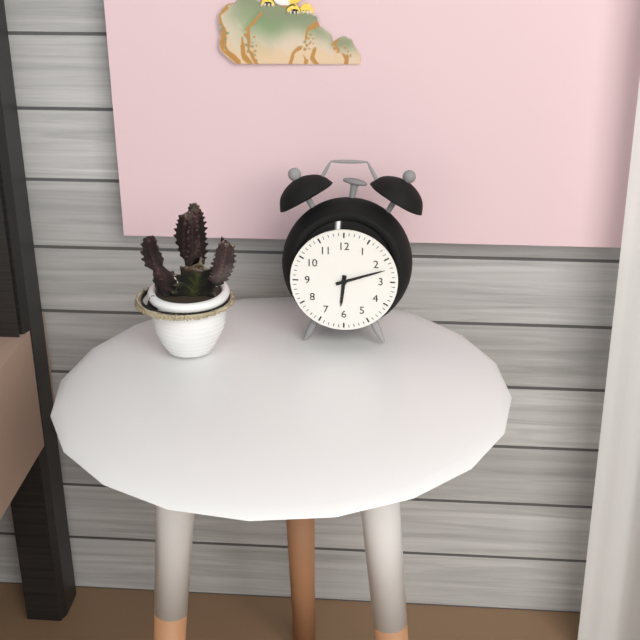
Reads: **6:12**
